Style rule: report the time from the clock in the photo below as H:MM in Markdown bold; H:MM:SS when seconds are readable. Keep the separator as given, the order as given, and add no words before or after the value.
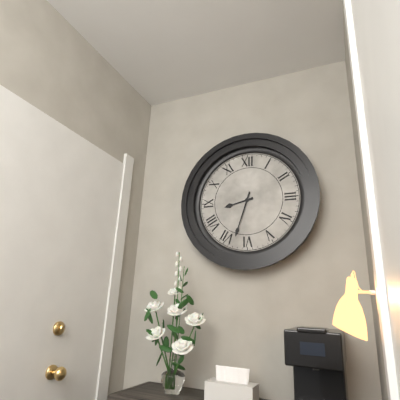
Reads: **8:33**
